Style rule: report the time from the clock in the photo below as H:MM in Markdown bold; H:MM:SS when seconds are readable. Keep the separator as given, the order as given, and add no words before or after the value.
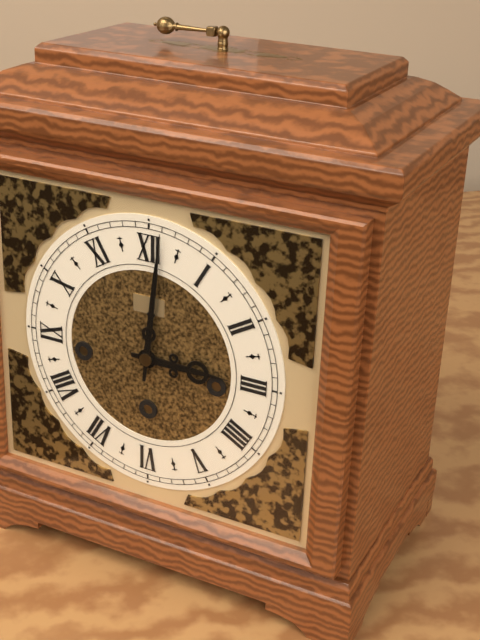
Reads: **3:01**
